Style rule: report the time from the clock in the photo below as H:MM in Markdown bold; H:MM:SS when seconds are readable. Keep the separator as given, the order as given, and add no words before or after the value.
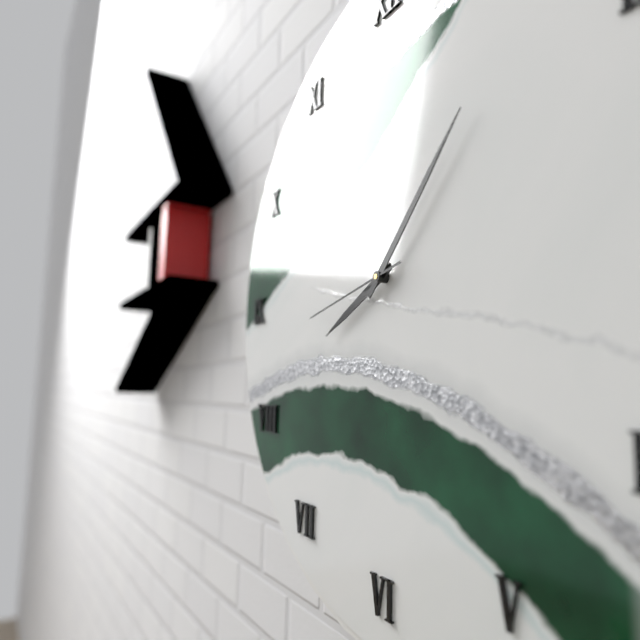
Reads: **8:07:43**
